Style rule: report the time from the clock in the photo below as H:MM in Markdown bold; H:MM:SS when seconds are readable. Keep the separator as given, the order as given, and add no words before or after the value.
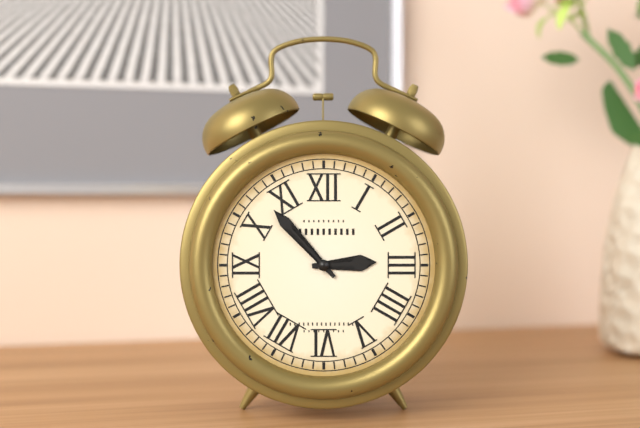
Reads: **2:53**
